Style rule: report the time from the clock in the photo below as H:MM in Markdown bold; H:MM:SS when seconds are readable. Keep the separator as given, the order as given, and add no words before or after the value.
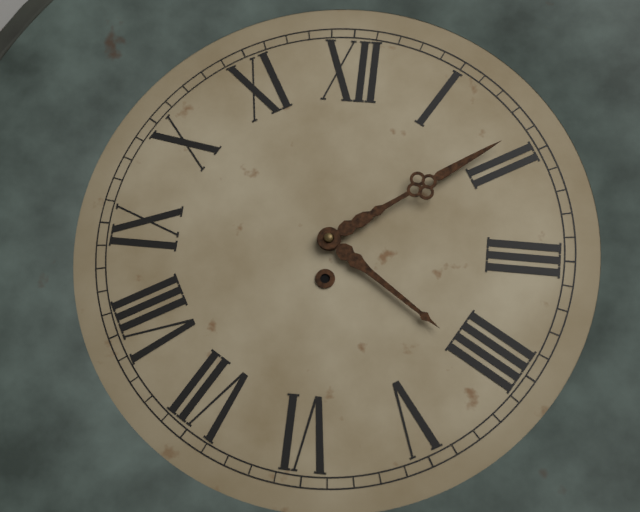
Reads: **4:09**
